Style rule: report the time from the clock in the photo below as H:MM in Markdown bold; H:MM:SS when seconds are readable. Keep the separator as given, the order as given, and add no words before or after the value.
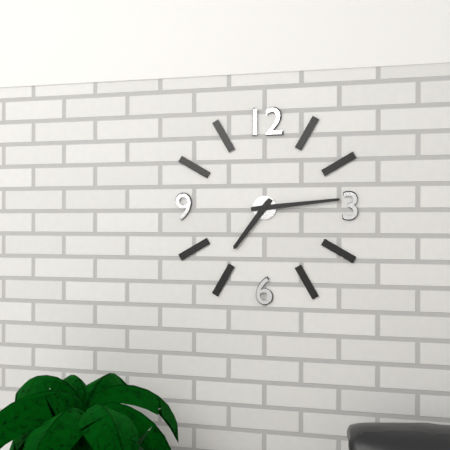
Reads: **7:14**
